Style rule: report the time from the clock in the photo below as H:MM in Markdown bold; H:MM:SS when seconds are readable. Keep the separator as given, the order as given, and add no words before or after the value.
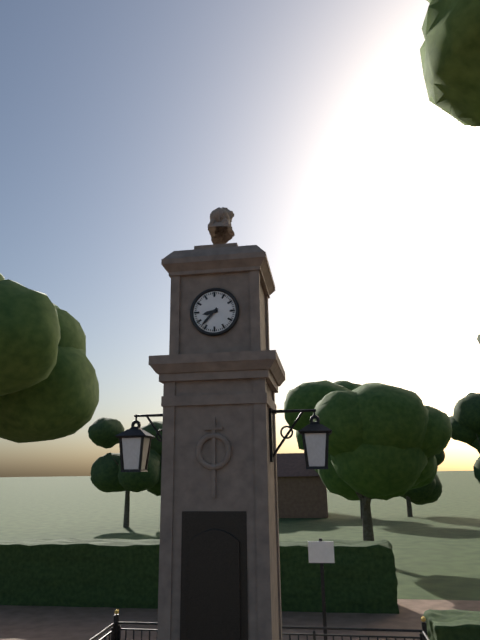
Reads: **8:37**
